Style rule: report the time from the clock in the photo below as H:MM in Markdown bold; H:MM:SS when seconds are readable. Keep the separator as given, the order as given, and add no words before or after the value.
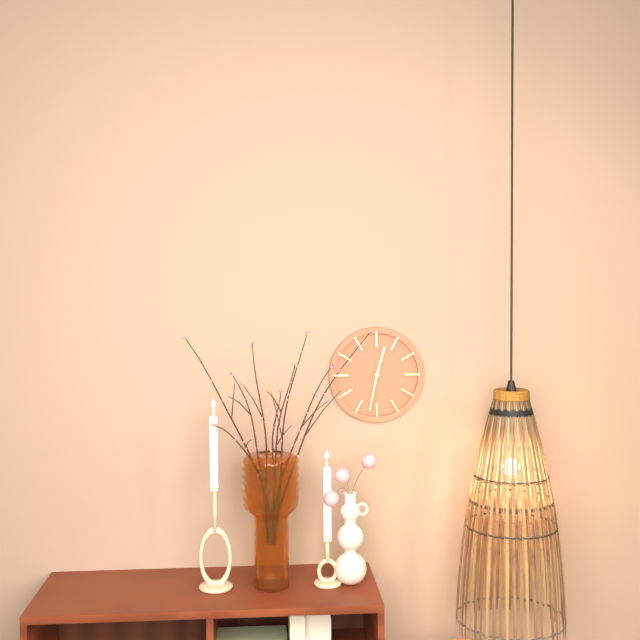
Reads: **12:32**
